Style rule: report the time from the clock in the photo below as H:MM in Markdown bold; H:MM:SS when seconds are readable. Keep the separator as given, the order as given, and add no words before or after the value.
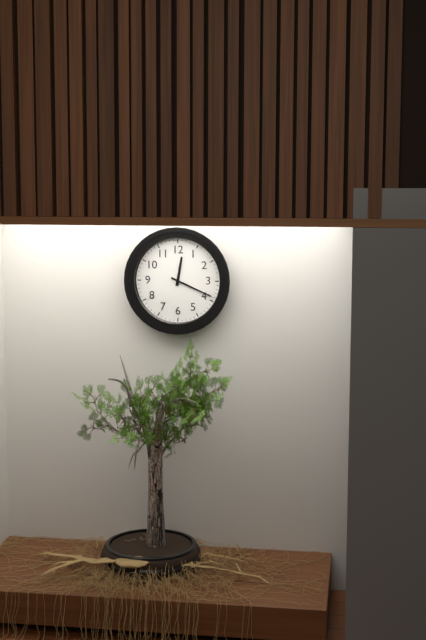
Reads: **12:19**
